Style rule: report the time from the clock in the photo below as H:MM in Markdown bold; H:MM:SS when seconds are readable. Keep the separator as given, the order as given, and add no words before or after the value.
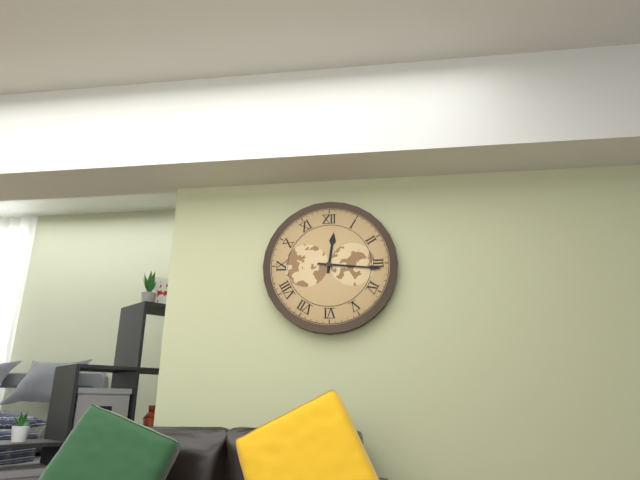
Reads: **12:16**
